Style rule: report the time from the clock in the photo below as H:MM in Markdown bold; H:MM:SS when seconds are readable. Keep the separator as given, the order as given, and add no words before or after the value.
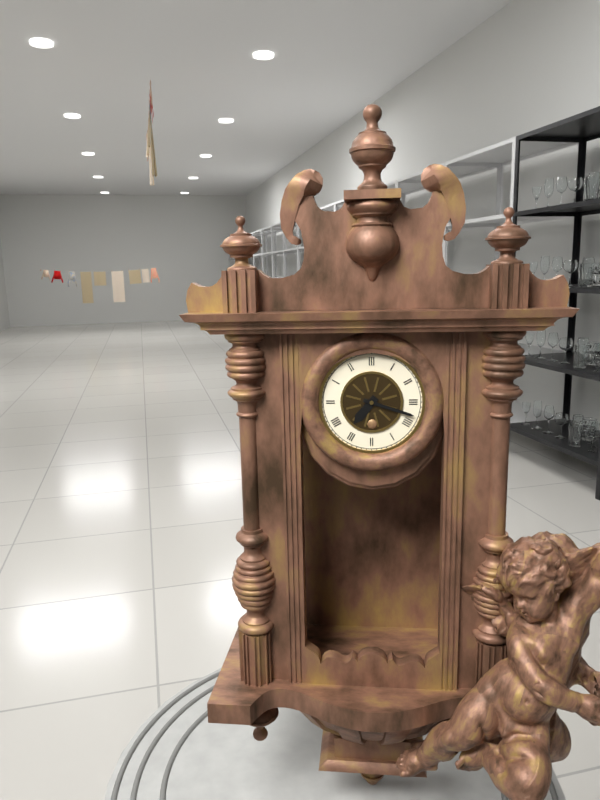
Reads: **7:18**
